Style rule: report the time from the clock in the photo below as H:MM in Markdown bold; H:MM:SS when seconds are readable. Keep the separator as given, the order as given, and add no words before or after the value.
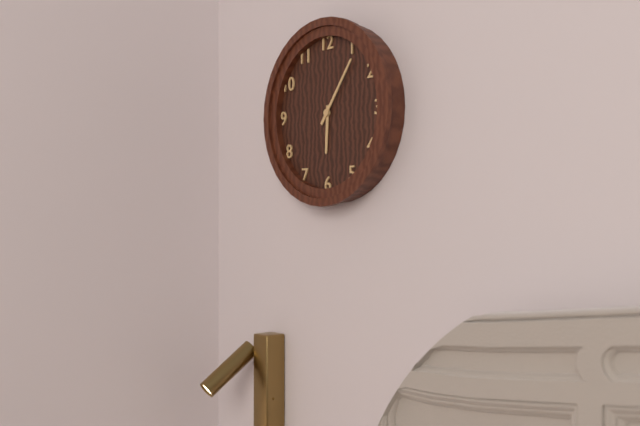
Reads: **6:06**
